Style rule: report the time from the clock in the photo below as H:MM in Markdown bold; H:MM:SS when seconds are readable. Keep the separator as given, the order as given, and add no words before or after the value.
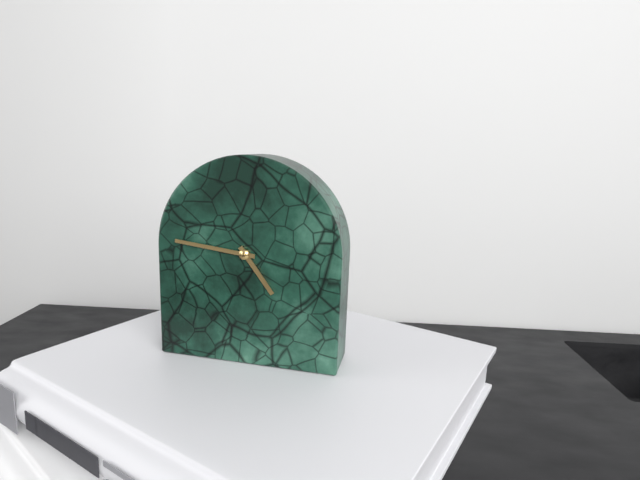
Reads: **4:46**
